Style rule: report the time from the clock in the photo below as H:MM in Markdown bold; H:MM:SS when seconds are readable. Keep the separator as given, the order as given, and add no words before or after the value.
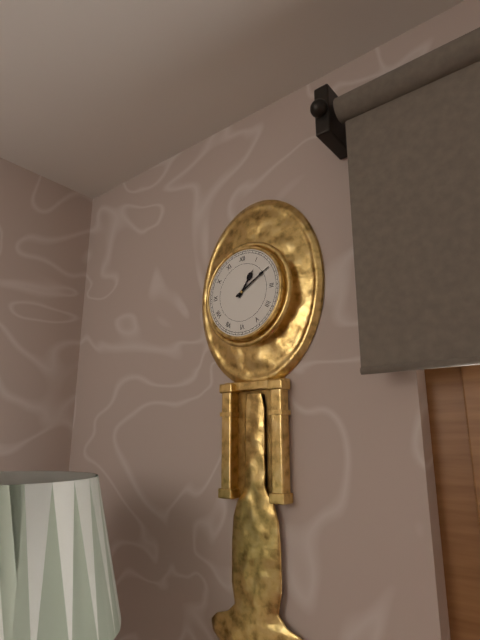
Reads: **1:10**
